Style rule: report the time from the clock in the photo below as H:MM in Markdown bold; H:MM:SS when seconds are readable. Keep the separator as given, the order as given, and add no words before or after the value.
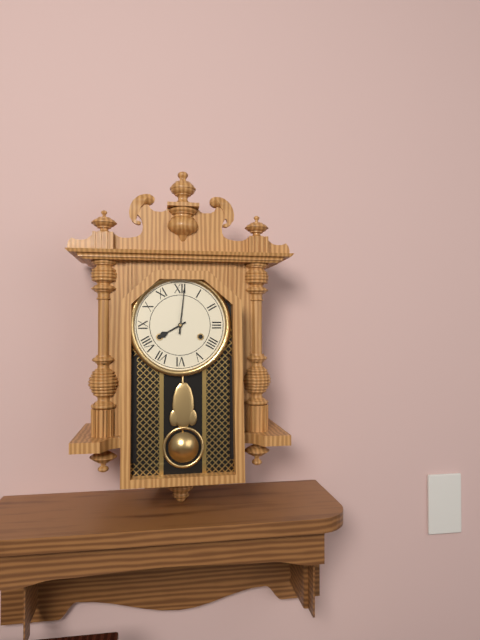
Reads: **8:01**
